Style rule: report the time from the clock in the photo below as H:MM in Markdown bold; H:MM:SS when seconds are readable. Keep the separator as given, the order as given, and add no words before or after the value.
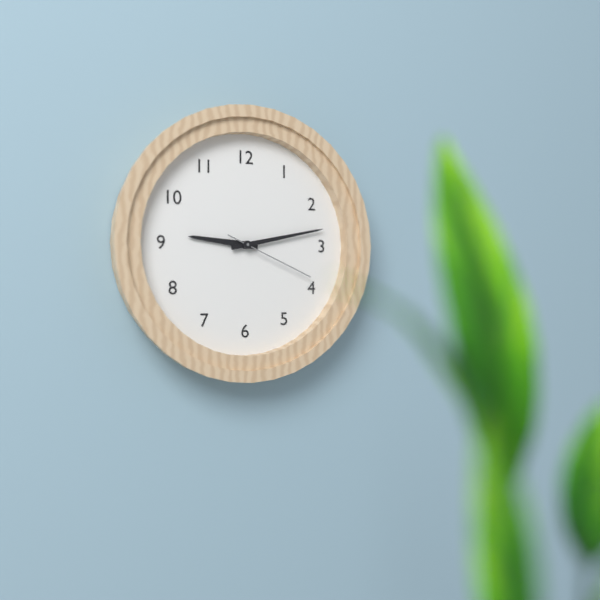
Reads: **9:13:19**
